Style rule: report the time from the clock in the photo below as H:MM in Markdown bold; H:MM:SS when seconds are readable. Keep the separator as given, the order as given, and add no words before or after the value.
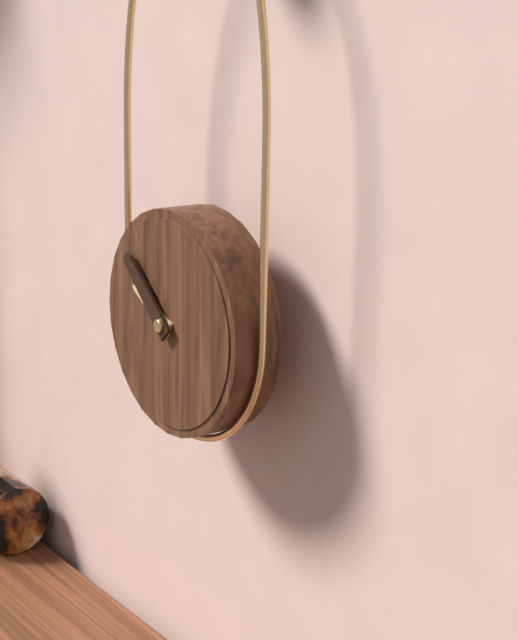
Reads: **9:52**
